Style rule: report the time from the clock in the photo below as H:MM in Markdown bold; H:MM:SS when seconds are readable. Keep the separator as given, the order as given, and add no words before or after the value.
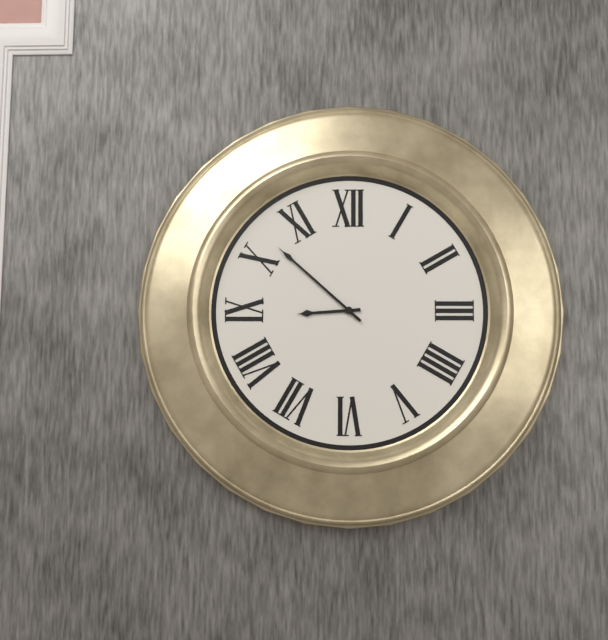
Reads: **8:52**
